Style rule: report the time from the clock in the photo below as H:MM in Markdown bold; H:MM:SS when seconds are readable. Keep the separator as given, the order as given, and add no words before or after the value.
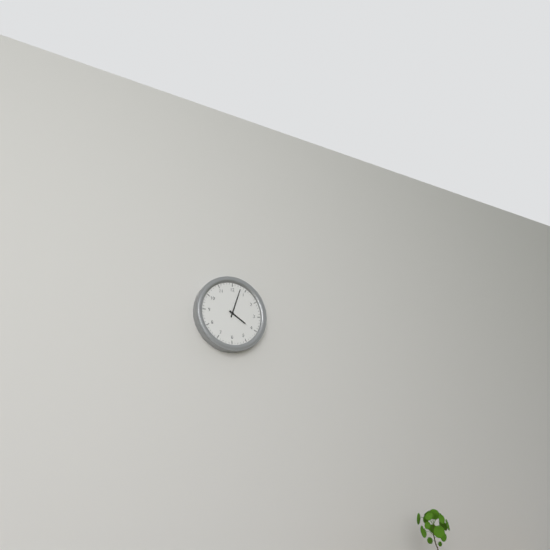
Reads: **4:03**
